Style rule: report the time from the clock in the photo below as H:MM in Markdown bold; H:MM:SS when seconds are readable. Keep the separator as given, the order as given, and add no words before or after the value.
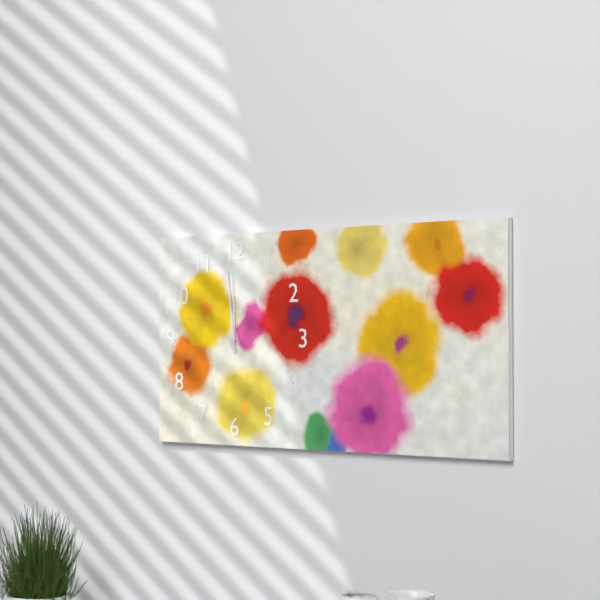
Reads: **11:59**
